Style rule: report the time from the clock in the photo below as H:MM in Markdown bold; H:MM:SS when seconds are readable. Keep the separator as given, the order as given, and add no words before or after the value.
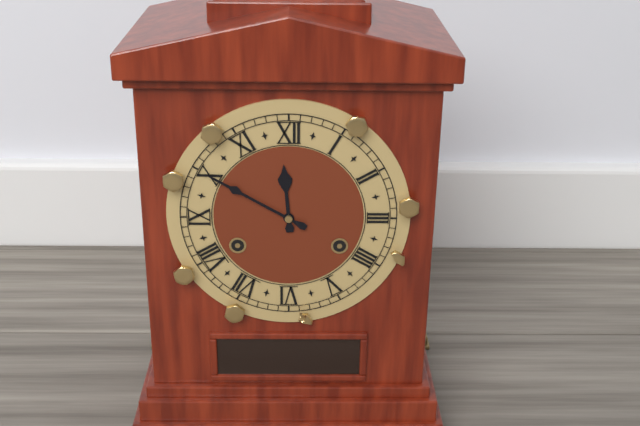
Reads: **11:50**
